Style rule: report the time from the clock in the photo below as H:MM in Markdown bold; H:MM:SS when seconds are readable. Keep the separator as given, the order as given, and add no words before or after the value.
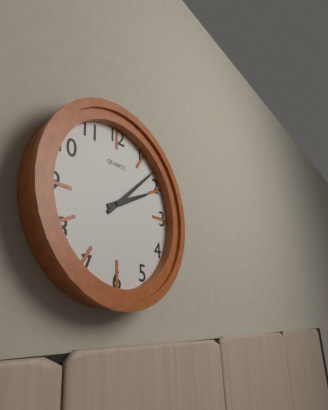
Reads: **2:08**
